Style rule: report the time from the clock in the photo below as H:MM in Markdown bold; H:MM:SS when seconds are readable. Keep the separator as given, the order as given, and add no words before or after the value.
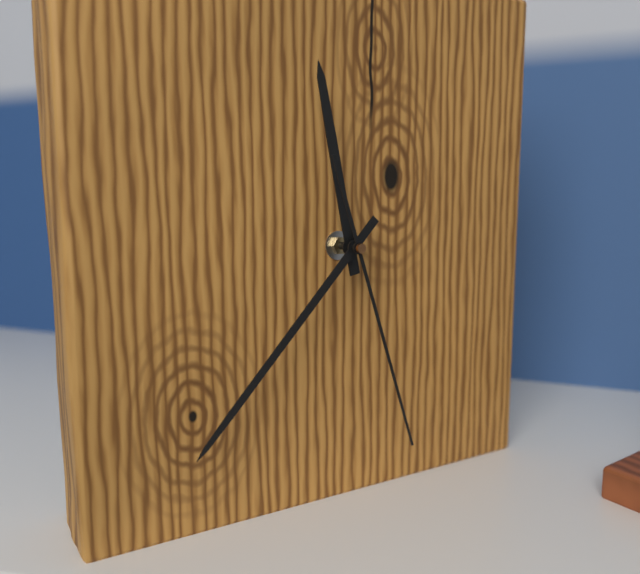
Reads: **11:37:27**
